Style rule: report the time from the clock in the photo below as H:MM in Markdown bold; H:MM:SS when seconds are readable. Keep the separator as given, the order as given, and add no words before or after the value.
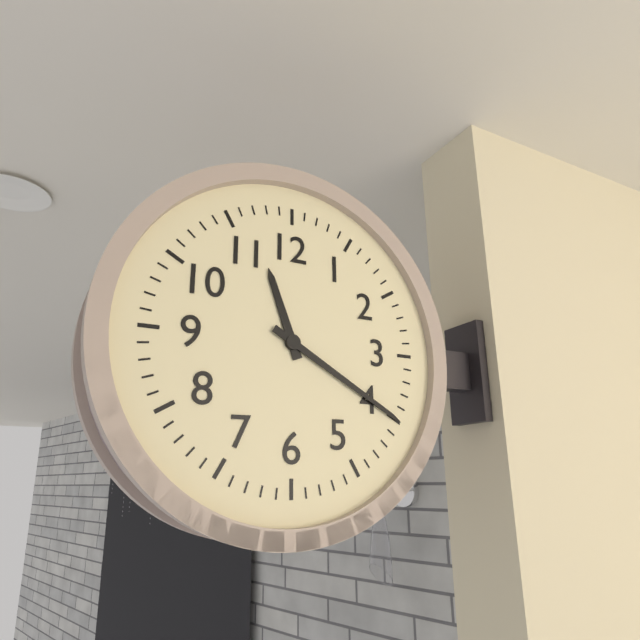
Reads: **11:20**
